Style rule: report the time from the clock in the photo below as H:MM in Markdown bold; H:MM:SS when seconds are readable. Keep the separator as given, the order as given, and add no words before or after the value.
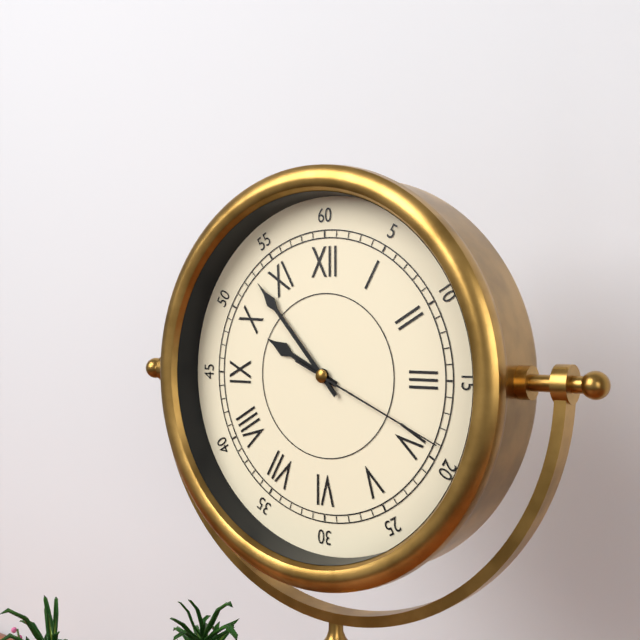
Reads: **9:53:19**
